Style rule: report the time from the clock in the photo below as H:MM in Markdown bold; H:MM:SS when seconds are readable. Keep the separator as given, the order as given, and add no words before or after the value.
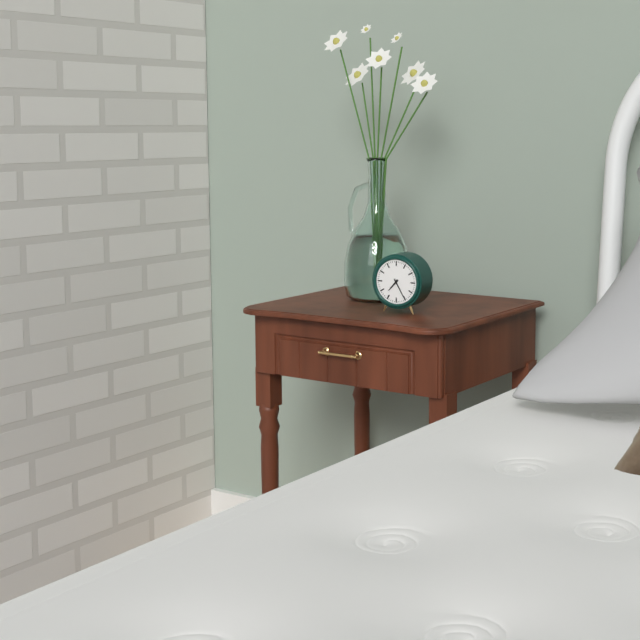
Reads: **7:25**
